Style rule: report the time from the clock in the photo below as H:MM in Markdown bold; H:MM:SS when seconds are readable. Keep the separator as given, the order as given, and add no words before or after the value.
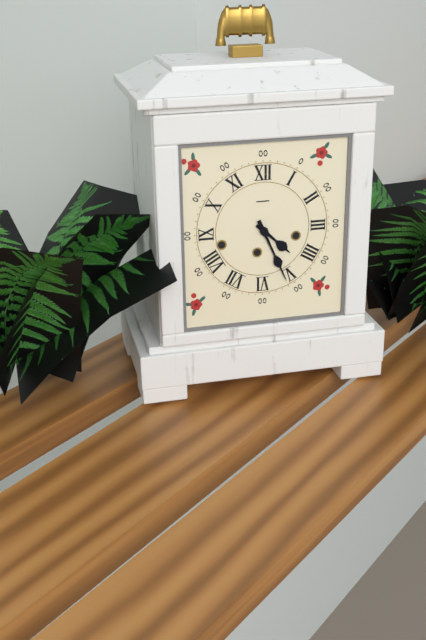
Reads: **4:26**
